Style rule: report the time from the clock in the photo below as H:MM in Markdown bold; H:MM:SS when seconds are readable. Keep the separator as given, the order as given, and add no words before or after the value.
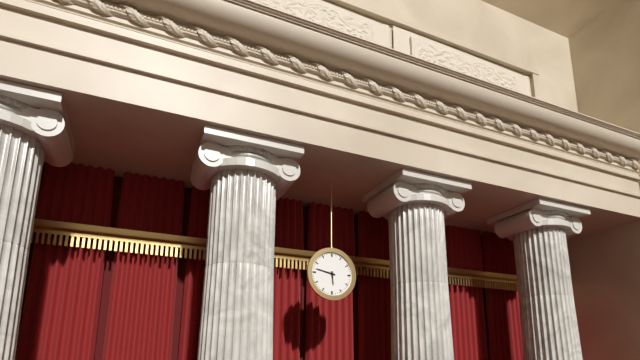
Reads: **5:47**
